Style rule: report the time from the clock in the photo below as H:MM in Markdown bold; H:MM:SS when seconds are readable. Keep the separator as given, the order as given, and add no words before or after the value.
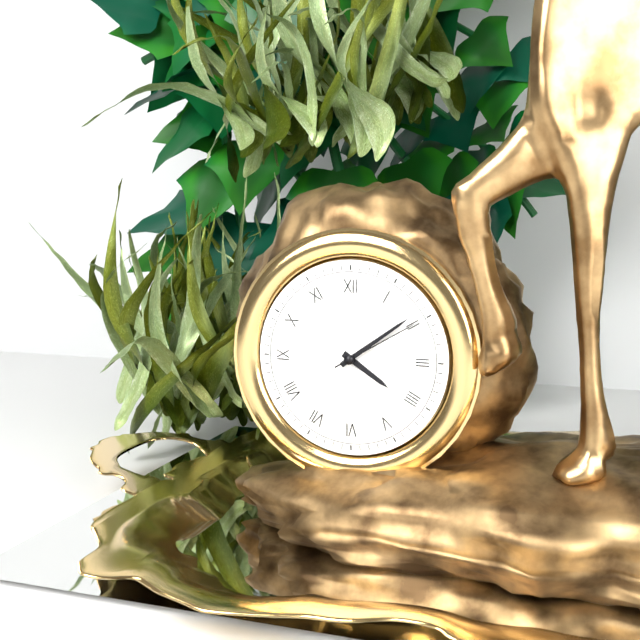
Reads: **4:09:10**
